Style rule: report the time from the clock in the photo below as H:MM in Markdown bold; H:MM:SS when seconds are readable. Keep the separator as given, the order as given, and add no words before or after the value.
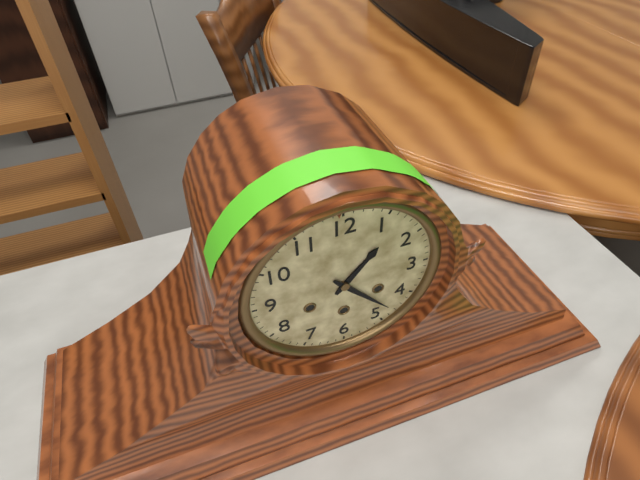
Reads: **1:23**
